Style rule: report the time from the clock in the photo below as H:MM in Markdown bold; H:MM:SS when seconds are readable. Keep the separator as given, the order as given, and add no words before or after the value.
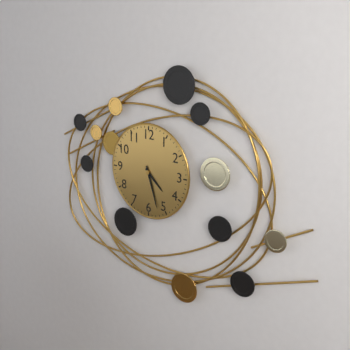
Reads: **4:27**
